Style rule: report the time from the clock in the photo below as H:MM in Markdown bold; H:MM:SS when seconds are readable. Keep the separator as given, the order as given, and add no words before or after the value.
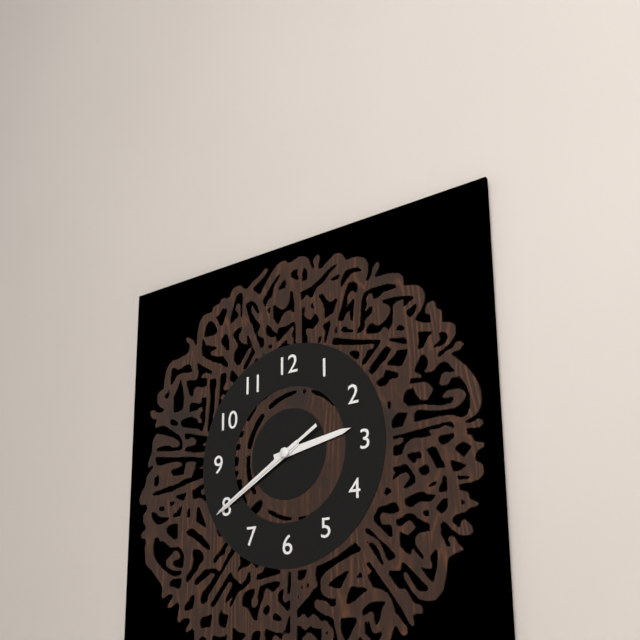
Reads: **2:40:40**
